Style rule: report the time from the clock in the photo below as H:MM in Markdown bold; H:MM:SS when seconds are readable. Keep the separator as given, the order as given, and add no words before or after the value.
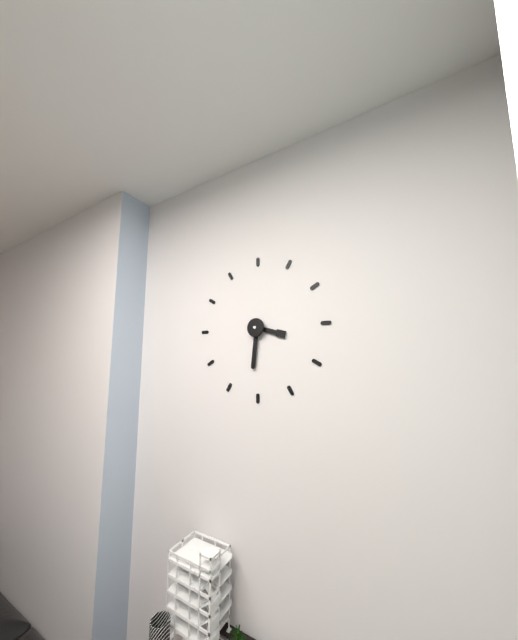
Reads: **3:31**
